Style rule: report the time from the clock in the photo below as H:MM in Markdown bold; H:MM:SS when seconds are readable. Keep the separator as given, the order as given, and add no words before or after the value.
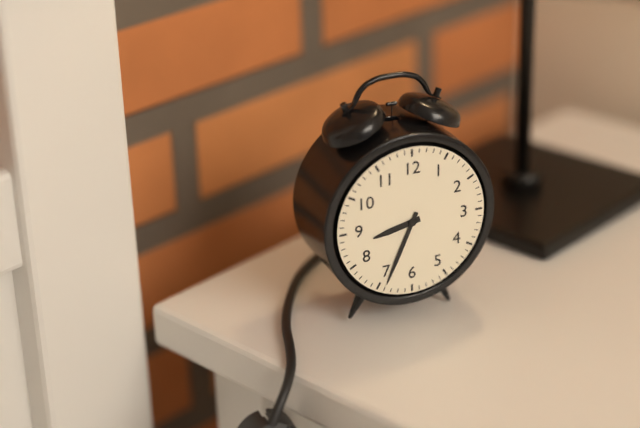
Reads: **8:34**
